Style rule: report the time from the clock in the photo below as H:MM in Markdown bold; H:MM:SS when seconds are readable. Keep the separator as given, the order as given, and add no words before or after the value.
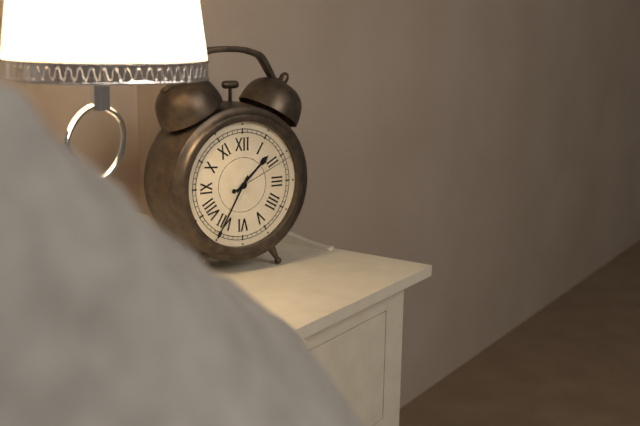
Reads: **1:35:11**
